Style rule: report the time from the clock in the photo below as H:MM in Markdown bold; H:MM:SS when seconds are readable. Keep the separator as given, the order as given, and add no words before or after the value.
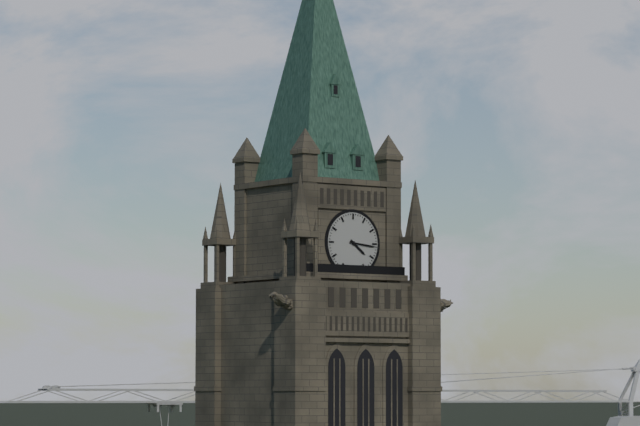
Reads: **4:16**
